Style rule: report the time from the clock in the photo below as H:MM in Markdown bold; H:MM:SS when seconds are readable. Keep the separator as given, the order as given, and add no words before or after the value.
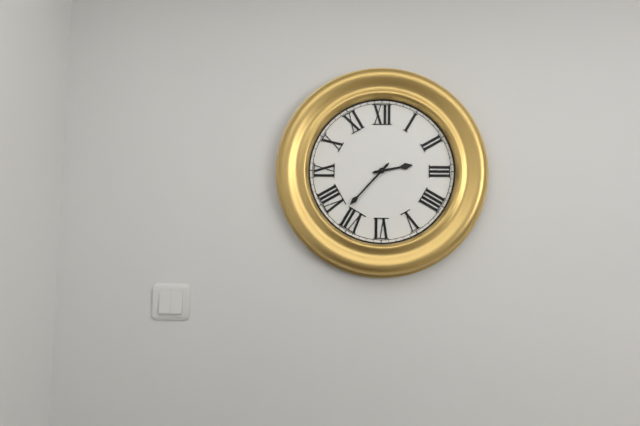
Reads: **2:37**
